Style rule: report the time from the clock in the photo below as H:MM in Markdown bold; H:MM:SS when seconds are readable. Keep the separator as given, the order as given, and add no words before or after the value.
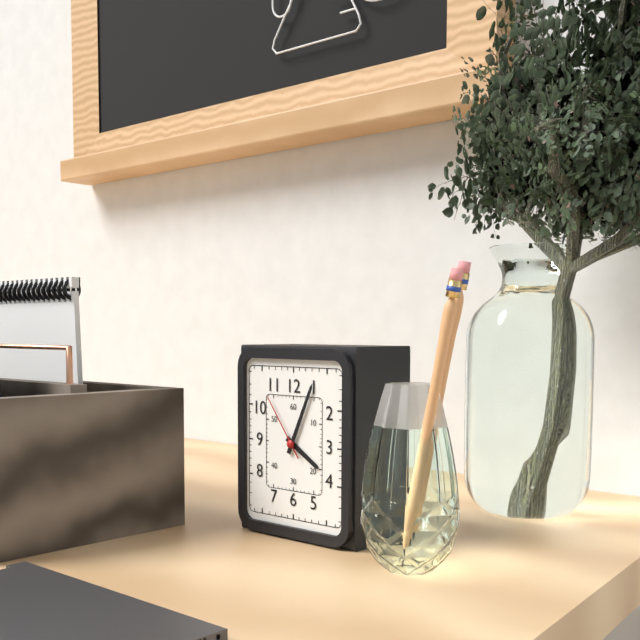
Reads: **4:04:54**
